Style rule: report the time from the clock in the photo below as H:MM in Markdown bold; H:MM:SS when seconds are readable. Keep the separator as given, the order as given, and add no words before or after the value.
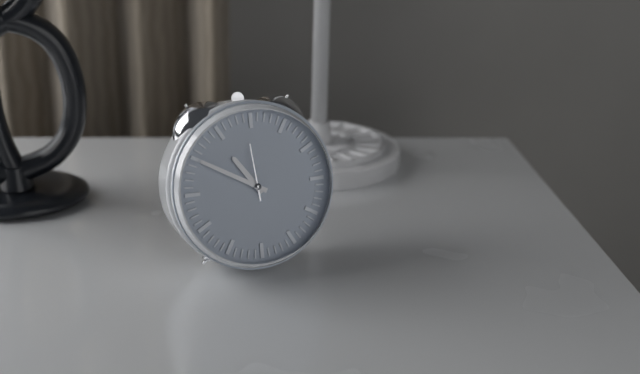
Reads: **10:50:59**
